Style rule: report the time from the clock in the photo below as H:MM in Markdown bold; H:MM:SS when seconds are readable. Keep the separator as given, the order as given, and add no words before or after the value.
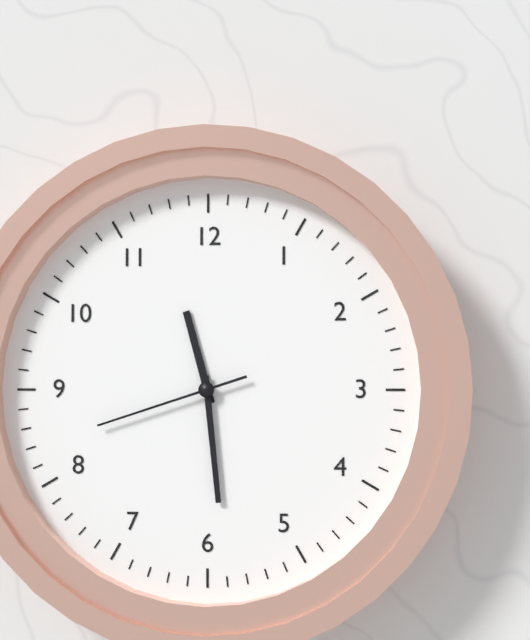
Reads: **11:29:42**
